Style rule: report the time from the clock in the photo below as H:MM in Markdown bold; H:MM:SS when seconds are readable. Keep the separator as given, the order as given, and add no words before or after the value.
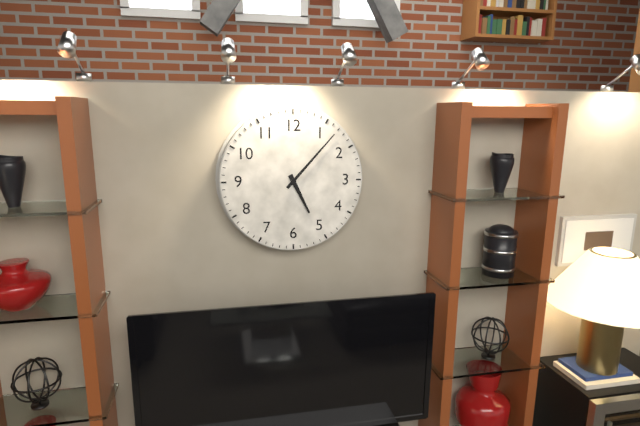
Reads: **5:07**
